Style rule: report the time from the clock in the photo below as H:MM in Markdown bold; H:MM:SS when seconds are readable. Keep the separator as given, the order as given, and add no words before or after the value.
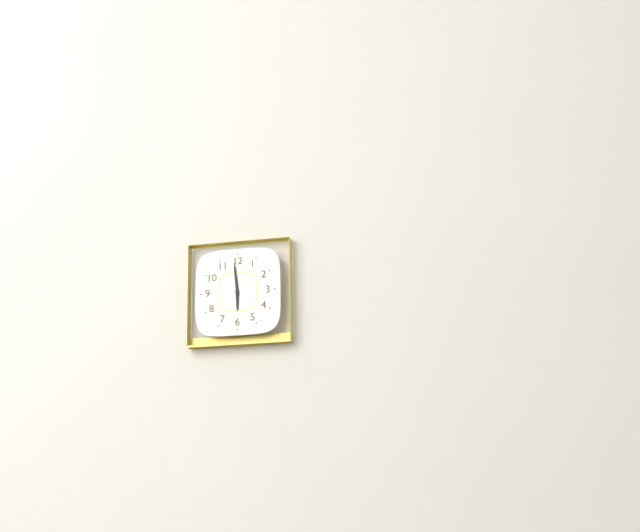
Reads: **5:59**
